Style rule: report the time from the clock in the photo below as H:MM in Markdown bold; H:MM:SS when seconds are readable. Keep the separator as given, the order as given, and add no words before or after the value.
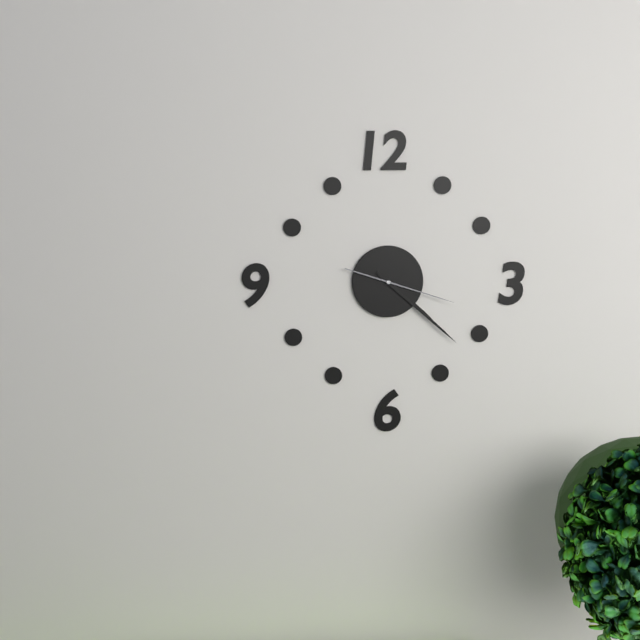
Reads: **4:22:18**
